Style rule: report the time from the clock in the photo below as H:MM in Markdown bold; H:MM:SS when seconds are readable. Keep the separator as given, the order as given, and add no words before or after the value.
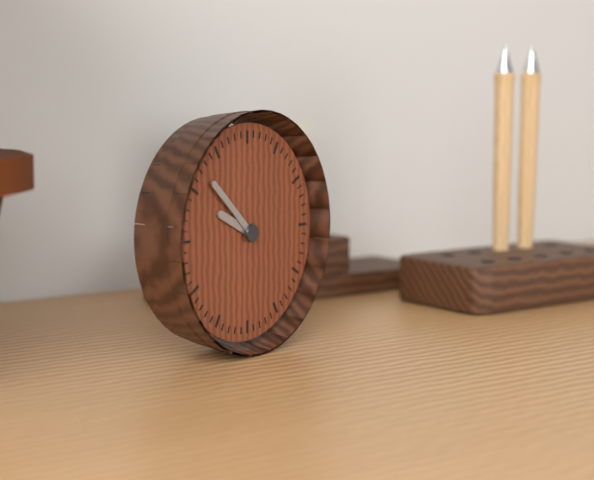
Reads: **9:52**
